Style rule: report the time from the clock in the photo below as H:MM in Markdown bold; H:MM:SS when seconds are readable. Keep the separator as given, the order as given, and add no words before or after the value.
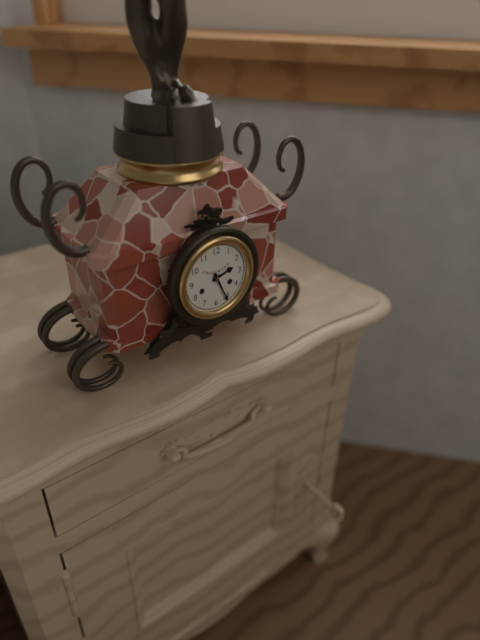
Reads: **2:26**
